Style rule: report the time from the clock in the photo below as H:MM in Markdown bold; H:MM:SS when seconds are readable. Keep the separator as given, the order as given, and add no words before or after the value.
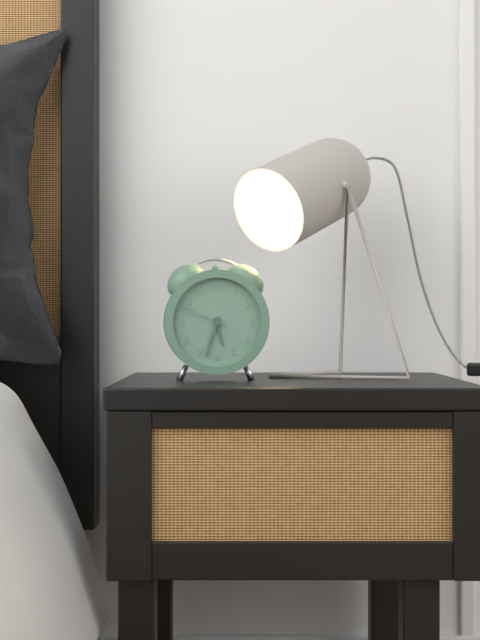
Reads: **5:33**
